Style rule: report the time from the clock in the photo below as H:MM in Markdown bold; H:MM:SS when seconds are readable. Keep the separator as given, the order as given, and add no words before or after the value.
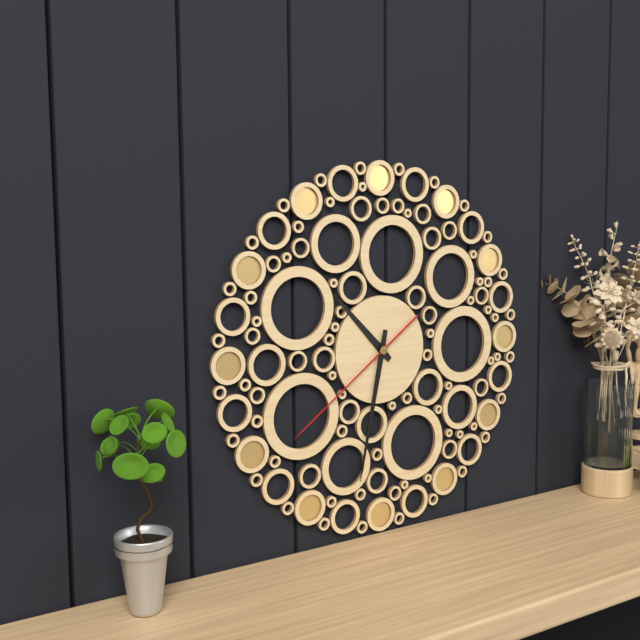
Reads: **10:32:39**
